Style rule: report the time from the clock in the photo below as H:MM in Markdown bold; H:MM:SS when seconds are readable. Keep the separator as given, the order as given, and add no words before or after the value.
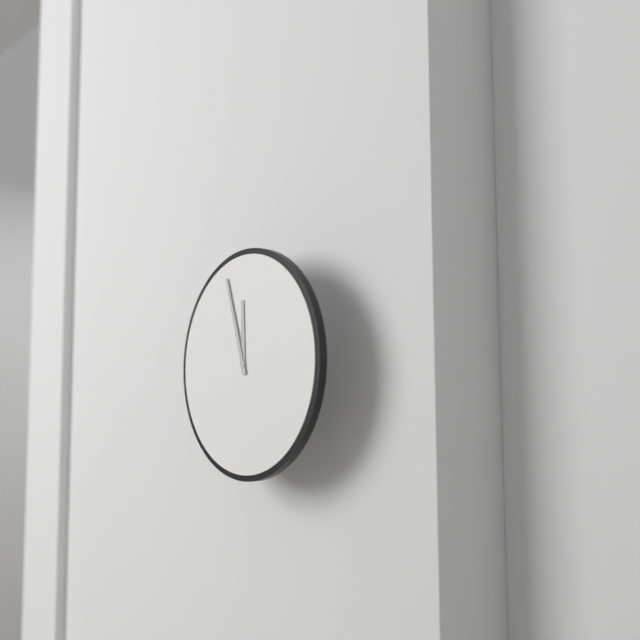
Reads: **11:57**
